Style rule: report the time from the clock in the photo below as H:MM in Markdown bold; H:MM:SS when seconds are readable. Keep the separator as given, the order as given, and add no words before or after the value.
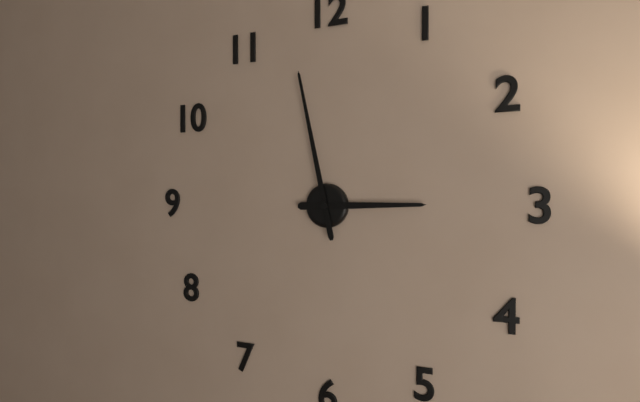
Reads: **2:58**
